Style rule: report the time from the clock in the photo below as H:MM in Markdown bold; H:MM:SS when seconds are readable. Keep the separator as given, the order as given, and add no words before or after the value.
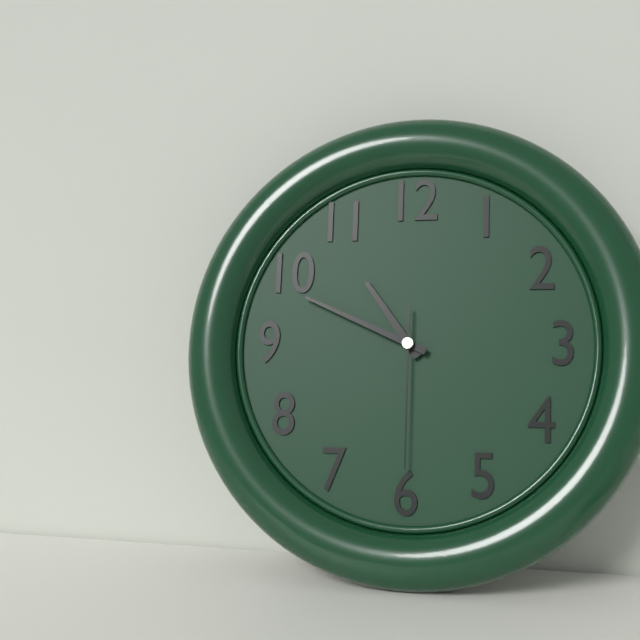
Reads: **10:49:30**
